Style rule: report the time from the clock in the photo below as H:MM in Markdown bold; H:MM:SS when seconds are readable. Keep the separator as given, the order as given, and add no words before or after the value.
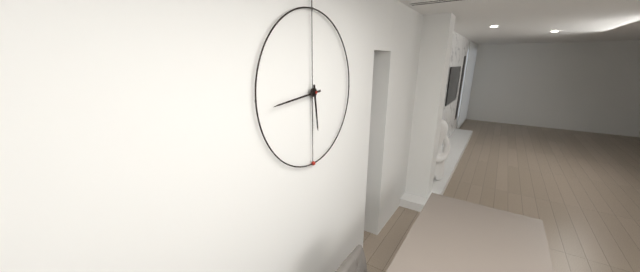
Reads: **5:44**
